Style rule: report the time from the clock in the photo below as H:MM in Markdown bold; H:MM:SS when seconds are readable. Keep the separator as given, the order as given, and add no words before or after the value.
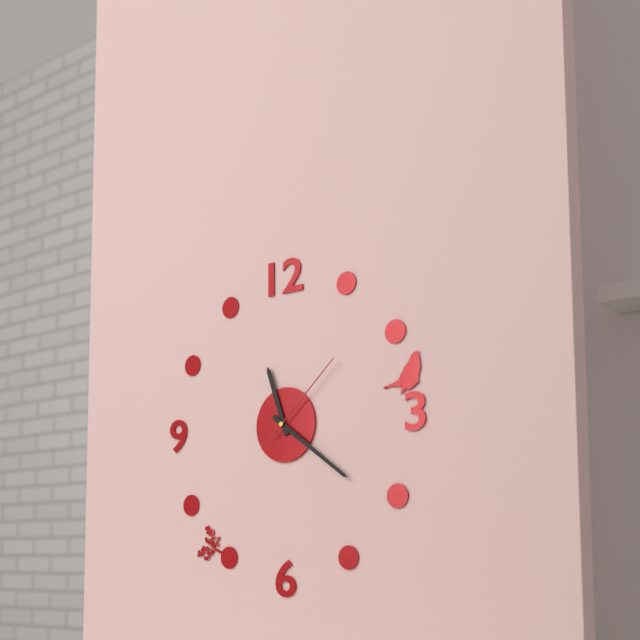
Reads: **11:21:08**
